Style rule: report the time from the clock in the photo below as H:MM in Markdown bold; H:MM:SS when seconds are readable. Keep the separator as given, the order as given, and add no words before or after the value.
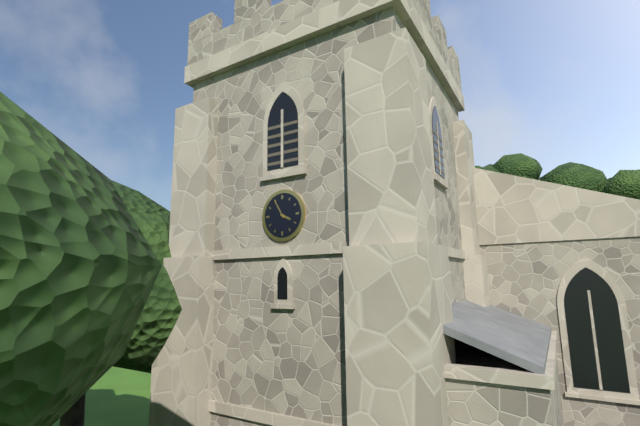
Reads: **3:55**
